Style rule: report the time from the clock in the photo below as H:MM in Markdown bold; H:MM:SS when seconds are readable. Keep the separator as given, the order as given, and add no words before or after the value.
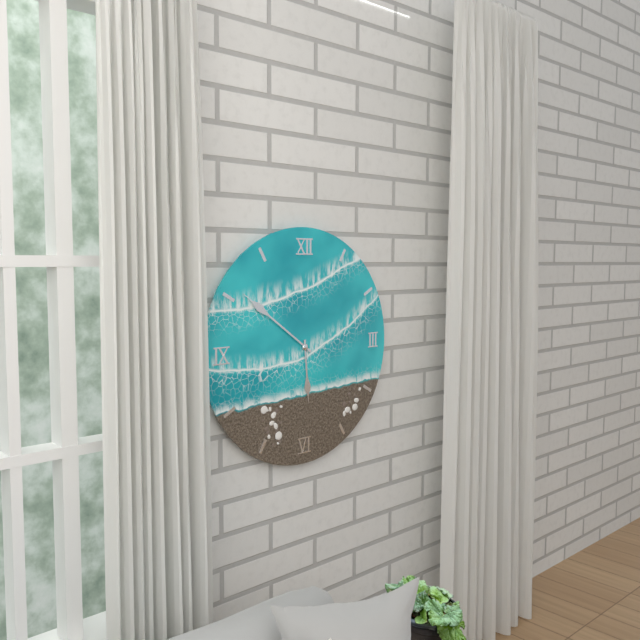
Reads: **5:51**
